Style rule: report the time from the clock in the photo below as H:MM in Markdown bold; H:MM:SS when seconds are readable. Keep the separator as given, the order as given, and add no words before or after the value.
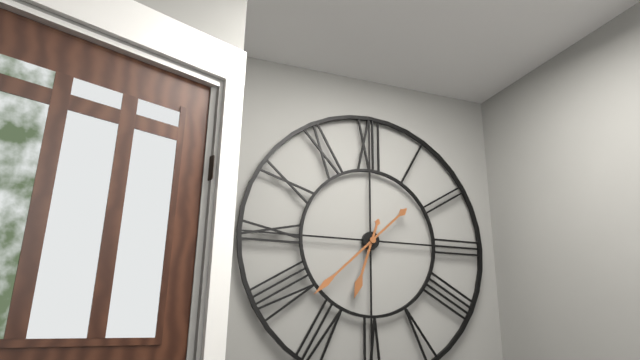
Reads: **6:38**
